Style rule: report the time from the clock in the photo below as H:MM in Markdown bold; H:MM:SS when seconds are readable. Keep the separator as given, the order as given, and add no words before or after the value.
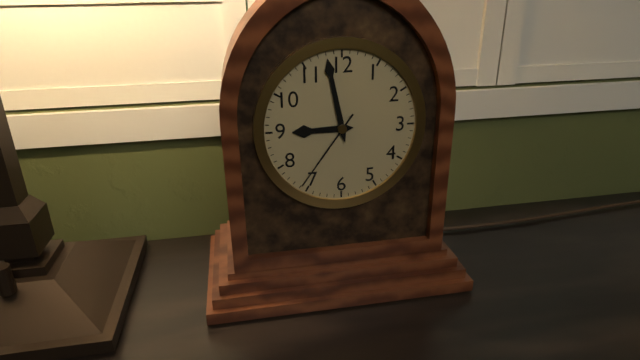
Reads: **8:58:36**
